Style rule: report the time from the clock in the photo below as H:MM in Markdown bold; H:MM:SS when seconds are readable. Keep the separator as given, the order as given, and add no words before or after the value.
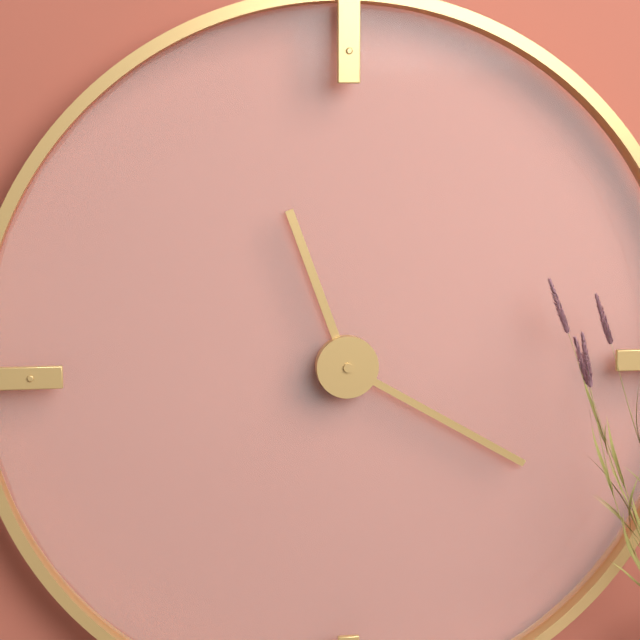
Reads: **11:20**
